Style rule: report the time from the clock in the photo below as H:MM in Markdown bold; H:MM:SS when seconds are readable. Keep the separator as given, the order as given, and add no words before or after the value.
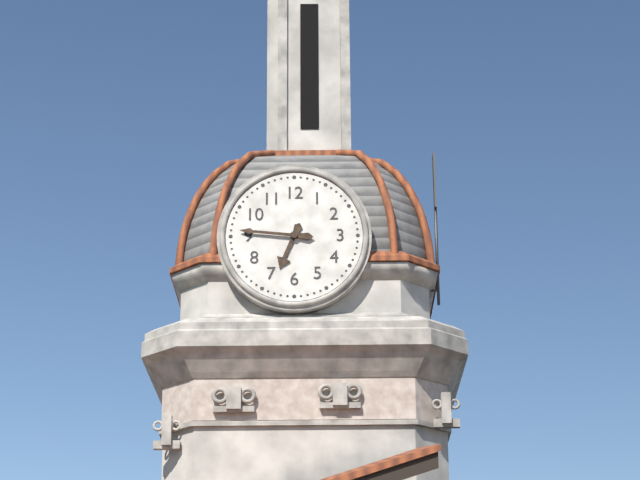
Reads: **6:46**
